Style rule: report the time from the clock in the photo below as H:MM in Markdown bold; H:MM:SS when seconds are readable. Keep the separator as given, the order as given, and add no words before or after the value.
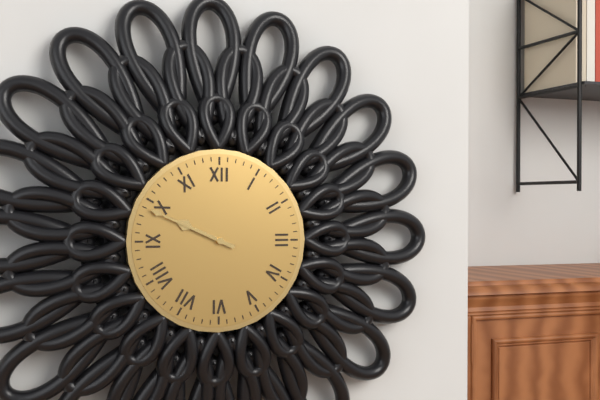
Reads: **9:49**
